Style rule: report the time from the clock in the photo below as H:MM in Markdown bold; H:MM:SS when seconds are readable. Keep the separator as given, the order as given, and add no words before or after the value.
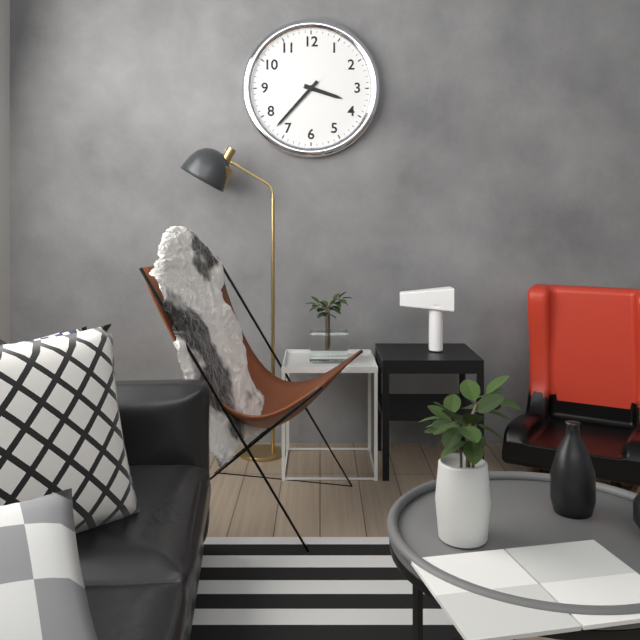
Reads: **3:37**
